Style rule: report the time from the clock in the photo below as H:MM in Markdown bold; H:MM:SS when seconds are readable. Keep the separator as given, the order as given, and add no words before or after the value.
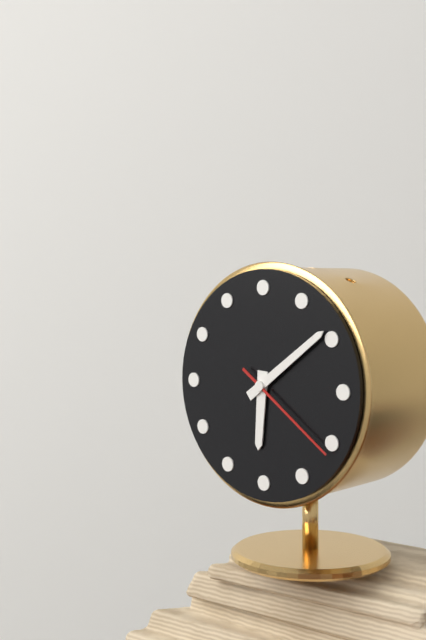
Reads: **6:09:21**
